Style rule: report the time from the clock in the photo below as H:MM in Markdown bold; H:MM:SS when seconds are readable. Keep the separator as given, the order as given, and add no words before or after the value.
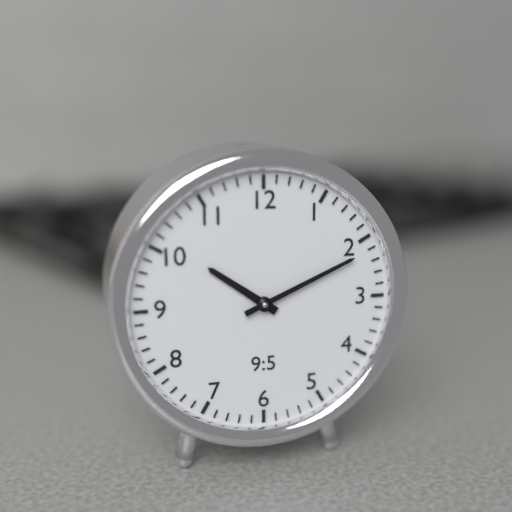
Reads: **10:11**
